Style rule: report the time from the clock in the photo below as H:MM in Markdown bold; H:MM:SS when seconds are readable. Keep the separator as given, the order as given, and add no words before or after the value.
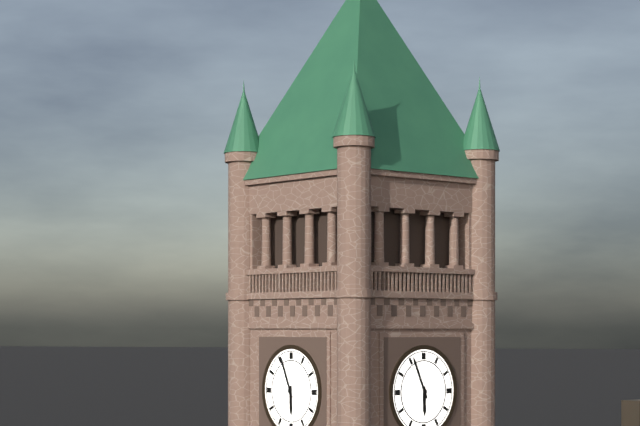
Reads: **5:56**
